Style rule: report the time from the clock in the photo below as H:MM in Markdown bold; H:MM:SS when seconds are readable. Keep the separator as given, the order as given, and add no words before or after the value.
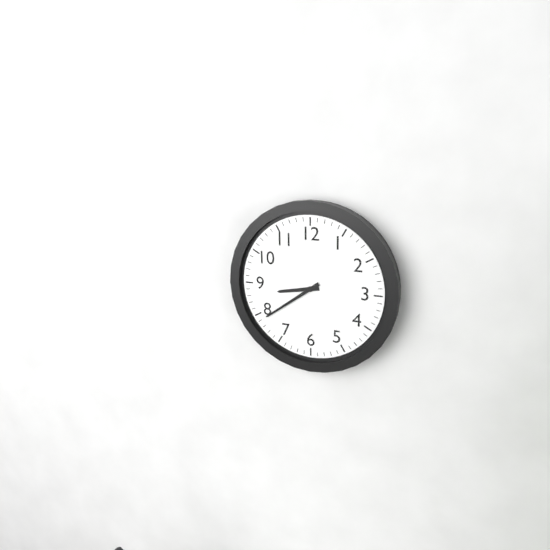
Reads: **8:39**
